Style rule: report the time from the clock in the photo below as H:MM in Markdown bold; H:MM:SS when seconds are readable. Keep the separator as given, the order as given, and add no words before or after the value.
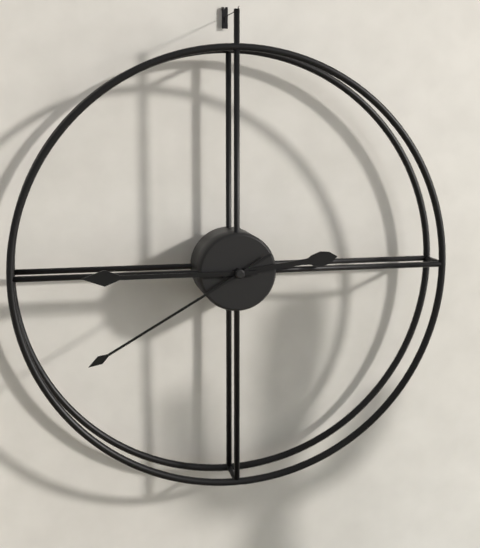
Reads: **2:45:40**
